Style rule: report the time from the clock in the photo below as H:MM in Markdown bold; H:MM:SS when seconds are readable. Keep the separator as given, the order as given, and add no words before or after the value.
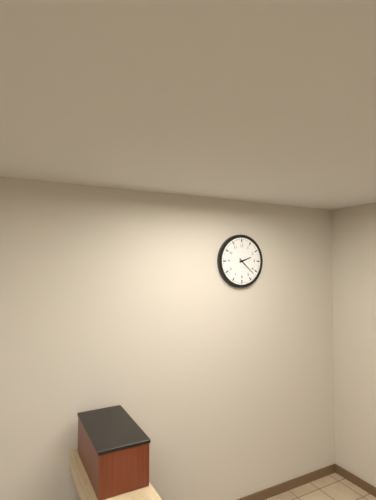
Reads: **2:22**
